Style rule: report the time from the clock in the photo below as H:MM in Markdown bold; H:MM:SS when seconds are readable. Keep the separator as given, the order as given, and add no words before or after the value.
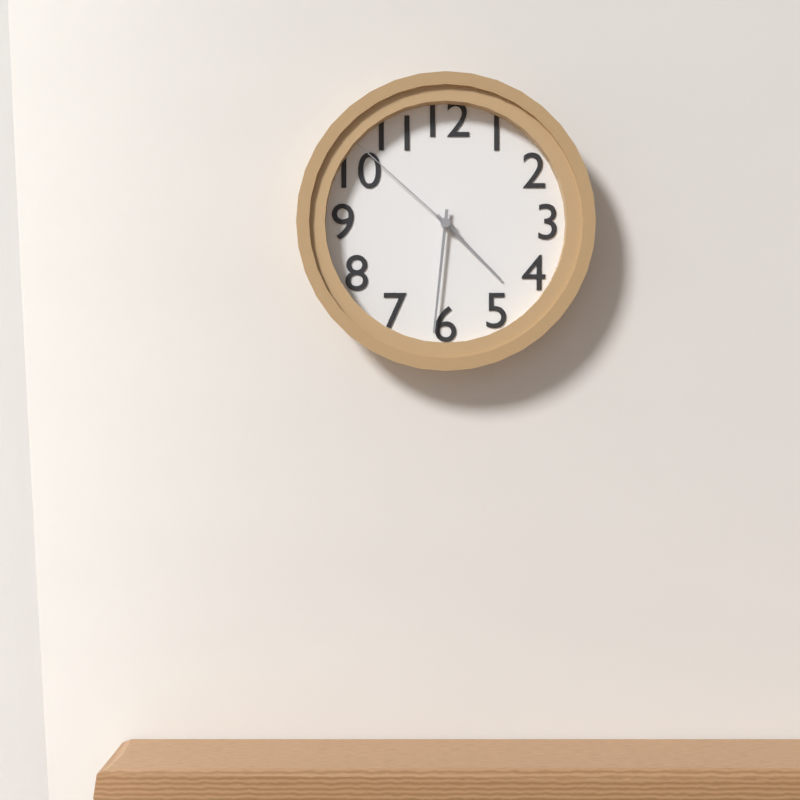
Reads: **4:31:52**
